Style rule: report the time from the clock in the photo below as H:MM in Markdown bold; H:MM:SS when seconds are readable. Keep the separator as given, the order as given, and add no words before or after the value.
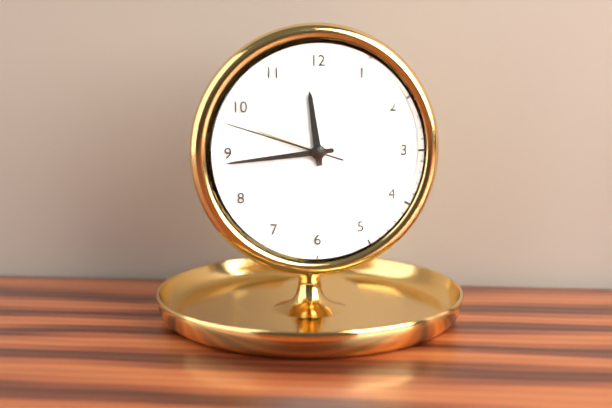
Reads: **11:44:48**
